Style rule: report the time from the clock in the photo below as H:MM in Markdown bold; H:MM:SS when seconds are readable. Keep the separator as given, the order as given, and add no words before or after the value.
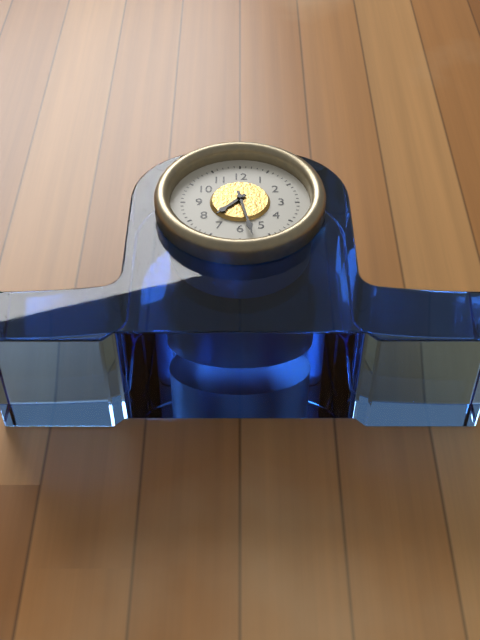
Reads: **7:28**
